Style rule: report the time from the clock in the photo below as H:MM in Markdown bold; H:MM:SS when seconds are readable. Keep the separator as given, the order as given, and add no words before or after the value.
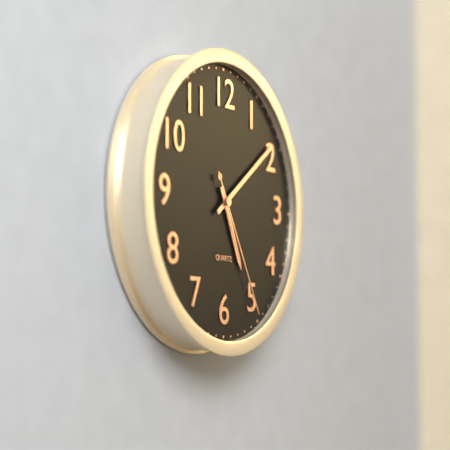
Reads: **5:09:25**
